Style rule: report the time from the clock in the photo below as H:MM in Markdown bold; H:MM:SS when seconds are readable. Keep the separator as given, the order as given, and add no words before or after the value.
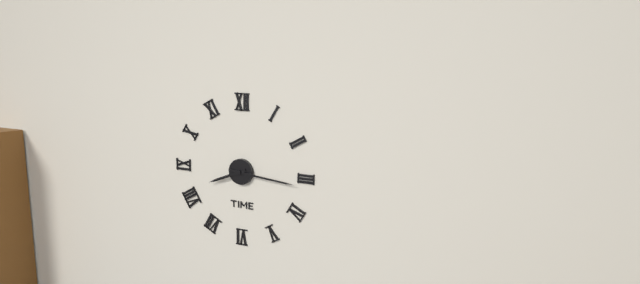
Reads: **8:16**
